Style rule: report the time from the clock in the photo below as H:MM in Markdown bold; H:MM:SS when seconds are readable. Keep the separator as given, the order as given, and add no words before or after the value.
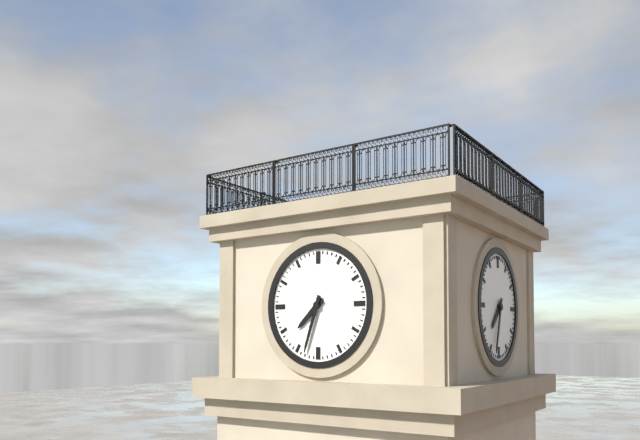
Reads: **7:33**
